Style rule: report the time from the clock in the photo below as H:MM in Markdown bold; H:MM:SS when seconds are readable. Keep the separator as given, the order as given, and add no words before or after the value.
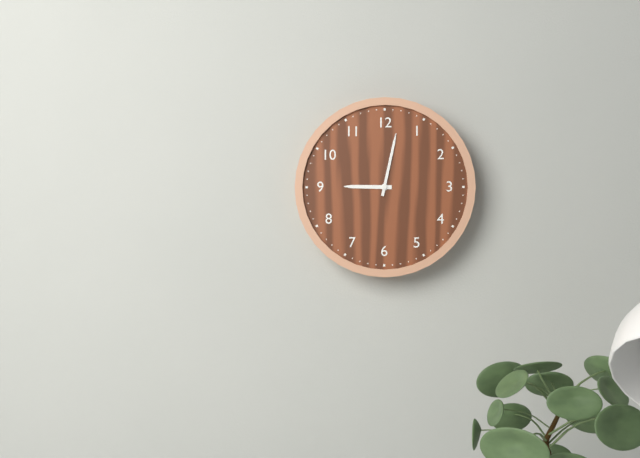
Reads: **9:02**
